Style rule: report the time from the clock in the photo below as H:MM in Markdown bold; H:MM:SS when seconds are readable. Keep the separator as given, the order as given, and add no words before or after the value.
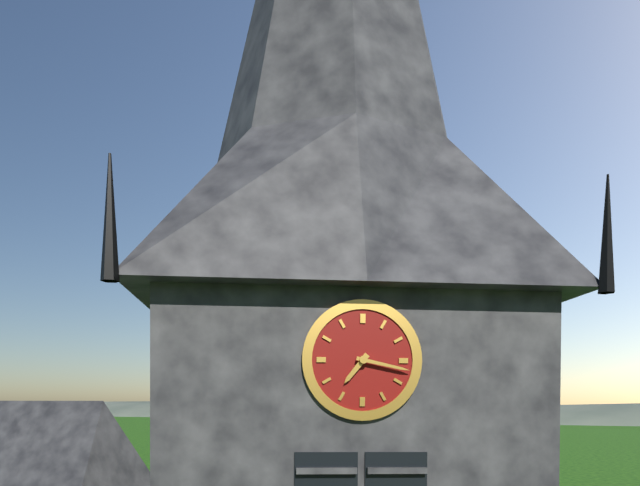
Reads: **7:17**
